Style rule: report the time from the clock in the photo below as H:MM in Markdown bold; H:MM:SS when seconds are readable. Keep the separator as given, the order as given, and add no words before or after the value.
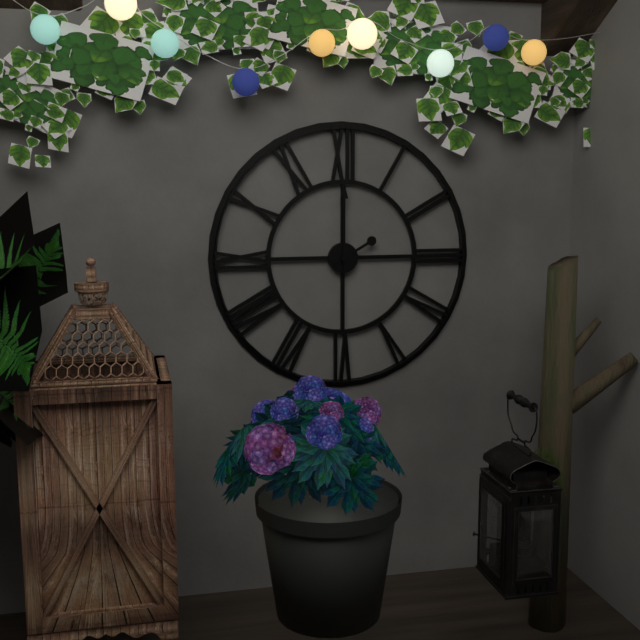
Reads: **2:00**
